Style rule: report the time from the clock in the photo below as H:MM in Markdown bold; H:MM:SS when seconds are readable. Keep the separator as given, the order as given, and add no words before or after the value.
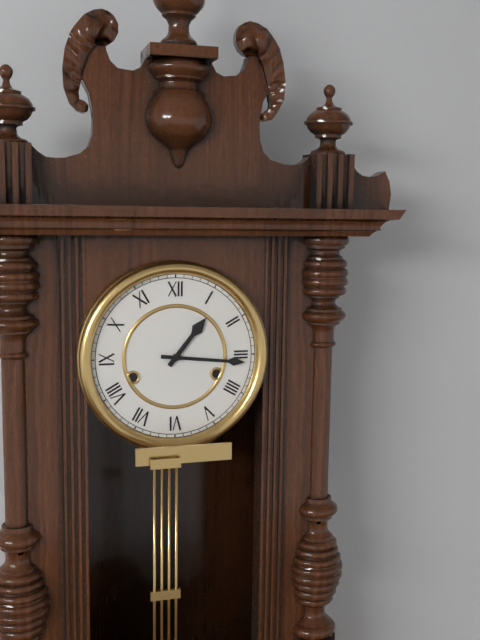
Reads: **1:16**
